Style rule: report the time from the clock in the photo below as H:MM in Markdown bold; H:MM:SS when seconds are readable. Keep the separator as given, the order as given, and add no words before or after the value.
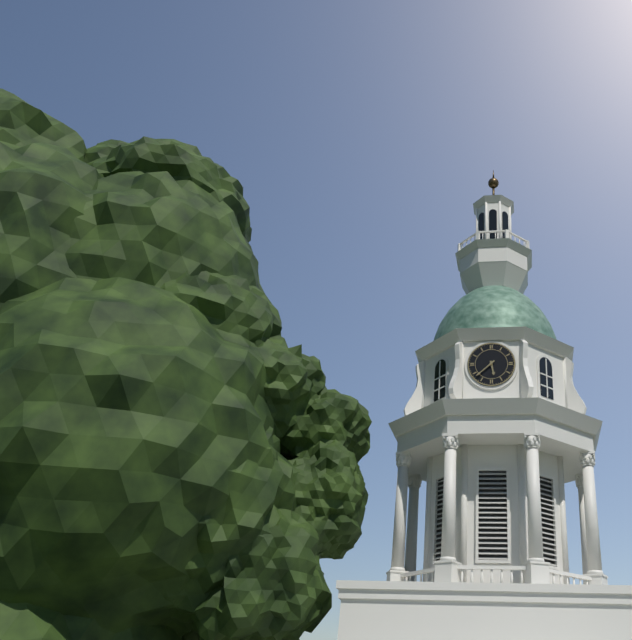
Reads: **5:38**
